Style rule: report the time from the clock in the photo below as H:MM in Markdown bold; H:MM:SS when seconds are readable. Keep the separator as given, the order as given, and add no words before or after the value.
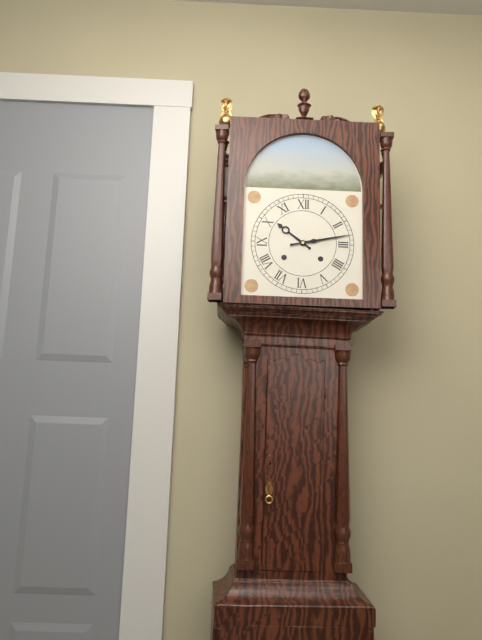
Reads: **10:13**
